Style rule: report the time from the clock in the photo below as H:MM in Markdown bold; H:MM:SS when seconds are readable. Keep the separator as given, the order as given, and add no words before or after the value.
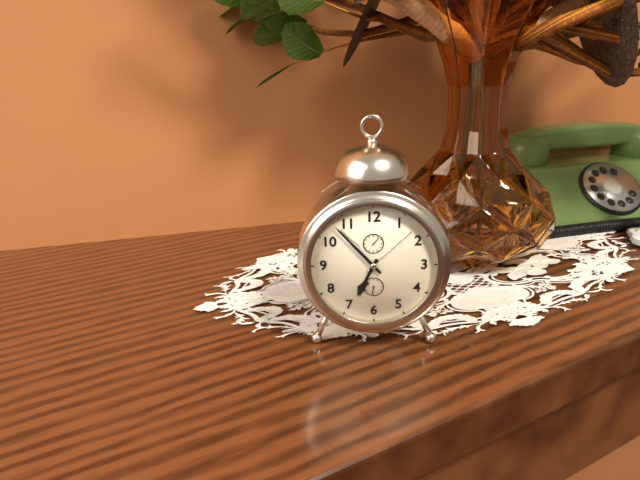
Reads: **6:53**
